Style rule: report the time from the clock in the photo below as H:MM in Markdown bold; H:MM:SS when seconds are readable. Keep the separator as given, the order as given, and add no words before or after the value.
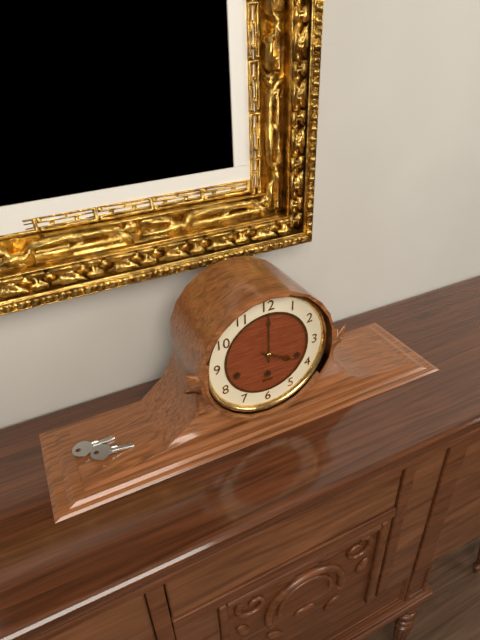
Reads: **4:00**
